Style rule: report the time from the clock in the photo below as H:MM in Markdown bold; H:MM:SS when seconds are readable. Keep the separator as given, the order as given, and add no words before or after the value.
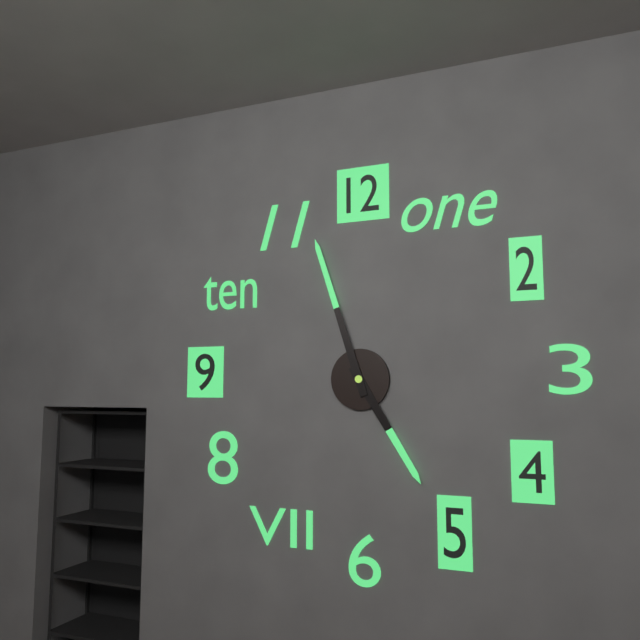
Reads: **4:57**
